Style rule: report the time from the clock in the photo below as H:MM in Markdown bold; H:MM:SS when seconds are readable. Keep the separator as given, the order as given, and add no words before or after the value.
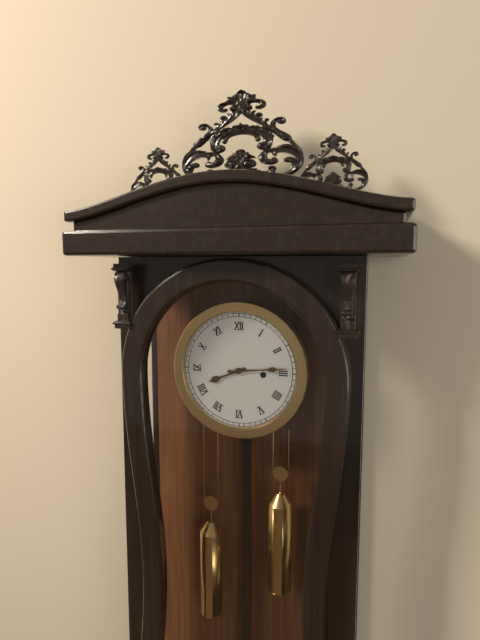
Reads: **8:14**
